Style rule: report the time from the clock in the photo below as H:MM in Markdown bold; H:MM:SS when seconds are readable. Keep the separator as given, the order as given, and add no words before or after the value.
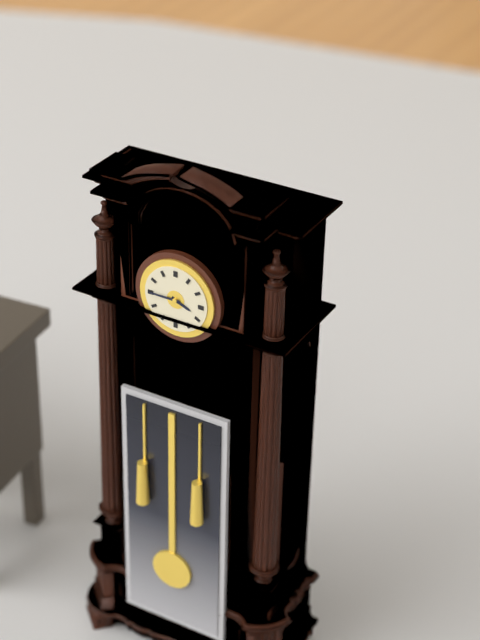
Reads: **3:45**
